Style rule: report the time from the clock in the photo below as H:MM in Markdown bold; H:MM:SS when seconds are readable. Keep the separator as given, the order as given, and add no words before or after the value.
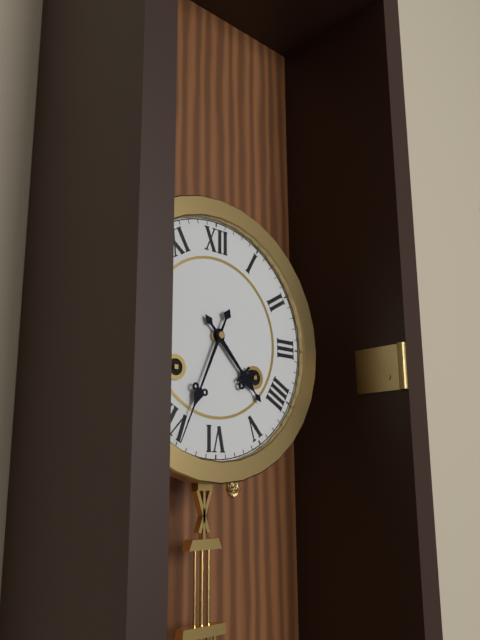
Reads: **4:34**
